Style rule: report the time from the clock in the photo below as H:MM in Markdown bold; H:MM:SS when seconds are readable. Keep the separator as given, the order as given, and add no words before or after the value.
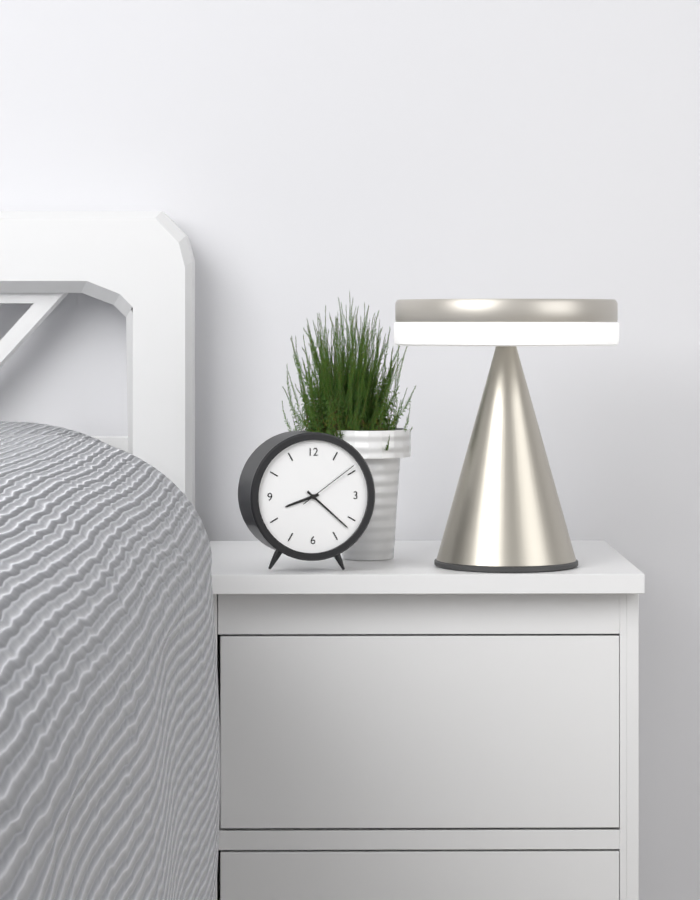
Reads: **8:22:09**
